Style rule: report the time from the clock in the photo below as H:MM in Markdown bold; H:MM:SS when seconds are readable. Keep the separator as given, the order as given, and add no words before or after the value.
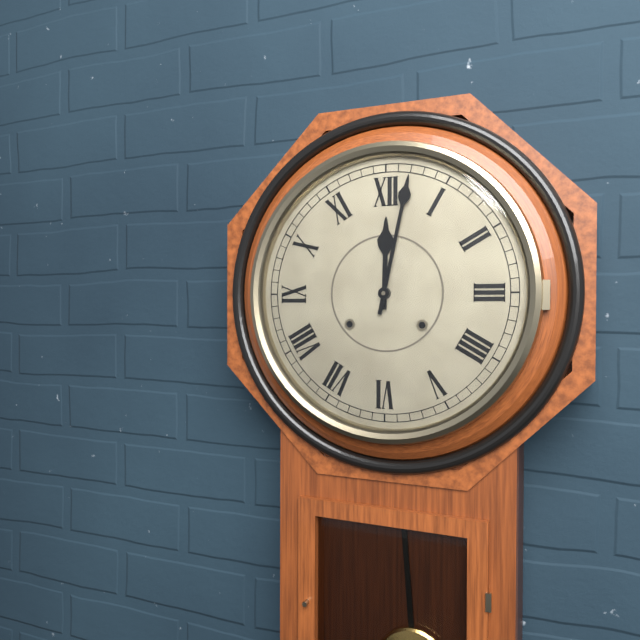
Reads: **12:02**
